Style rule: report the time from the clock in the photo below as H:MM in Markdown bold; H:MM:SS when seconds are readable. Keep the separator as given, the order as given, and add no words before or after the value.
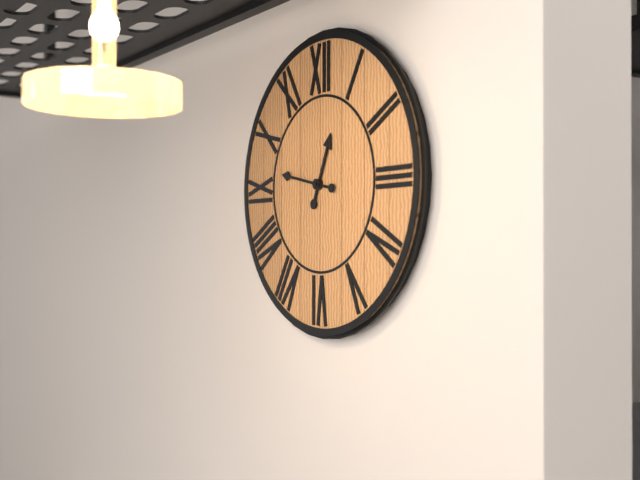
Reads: **12:47**
